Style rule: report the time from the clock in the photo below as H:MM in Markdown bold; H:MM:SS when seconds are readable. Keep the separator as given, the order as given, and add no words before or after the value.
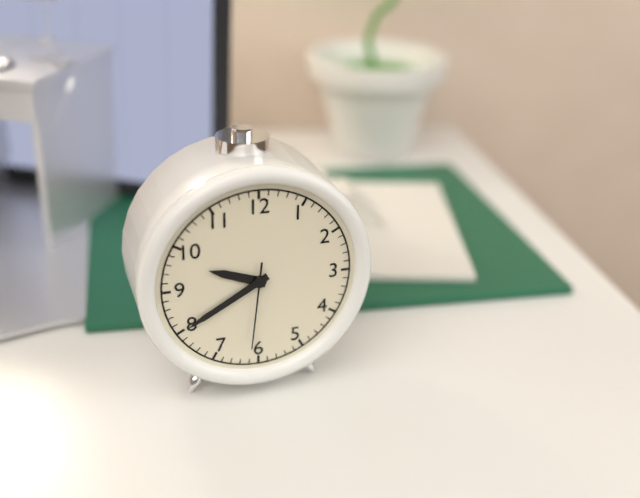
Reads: **9:40:31**
